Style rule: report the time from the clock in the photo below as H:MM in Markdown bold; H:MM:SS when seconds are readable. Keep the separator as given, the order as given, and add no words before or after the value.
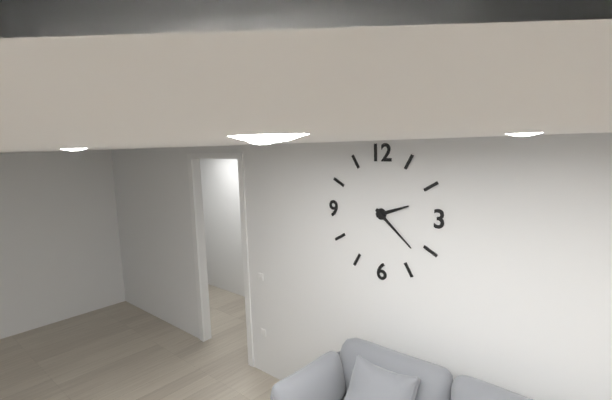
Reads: **2:22**
